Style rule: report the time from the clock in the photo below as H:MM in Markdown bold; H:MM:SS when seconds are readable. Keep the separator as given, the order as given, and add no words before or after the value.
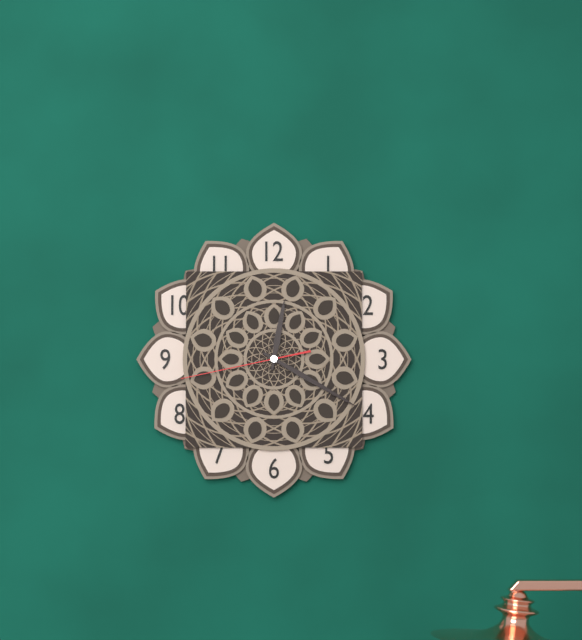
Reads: **12:20:43**
